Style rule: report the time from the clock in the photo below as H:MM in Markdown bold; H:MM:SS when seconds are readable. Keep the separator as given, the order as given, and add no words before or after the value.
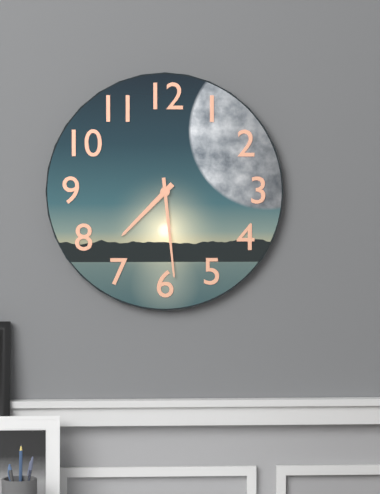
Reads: **7:29**
